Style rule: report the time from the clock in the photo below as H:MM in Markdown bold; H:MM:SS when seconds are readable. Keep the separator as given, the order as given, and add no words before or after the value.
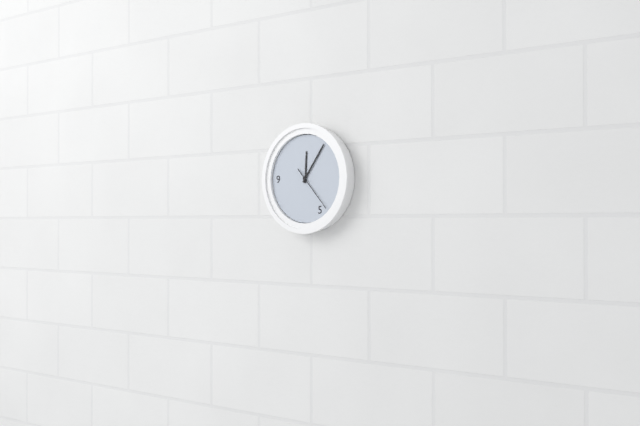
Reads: **12:06**
